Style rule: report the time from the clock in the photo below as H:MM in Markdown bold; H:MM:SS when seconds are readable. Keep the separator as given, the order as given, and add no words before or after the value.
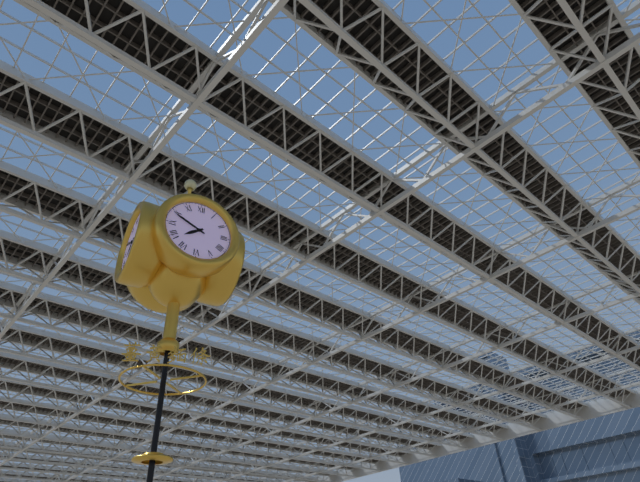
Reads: **7:49**
